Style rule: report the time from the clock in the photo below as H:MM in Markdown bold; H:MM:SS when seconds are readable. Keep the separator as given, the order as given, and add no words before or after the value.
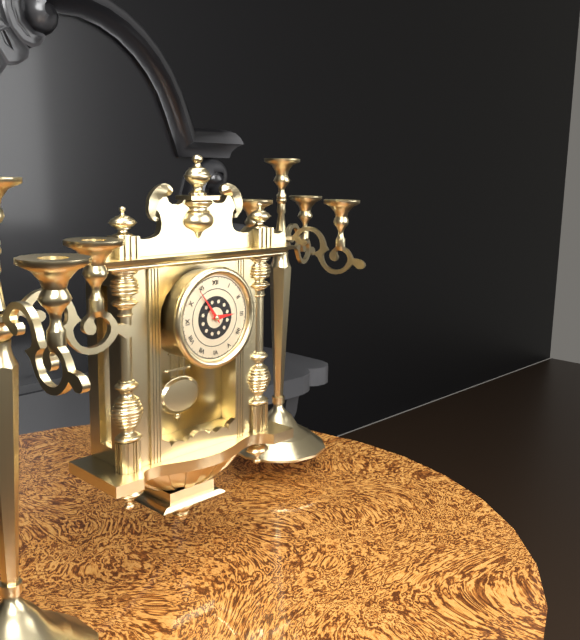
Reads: **2:54**
